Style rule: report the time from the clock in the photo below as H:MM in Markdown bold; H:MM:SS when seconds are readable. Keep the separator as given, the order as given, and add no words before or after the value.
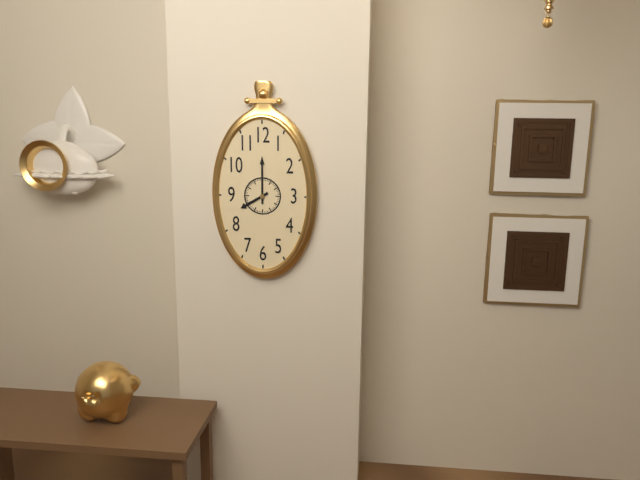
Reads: **8:00**
